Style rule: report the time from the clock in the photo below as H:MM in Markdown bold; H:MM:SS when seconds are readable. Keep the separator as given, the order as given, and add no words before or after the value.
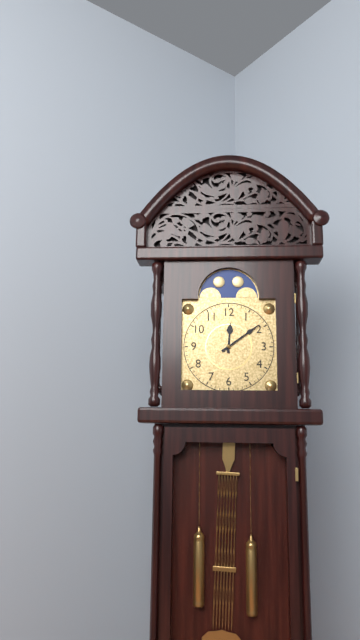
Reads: **12:09**
